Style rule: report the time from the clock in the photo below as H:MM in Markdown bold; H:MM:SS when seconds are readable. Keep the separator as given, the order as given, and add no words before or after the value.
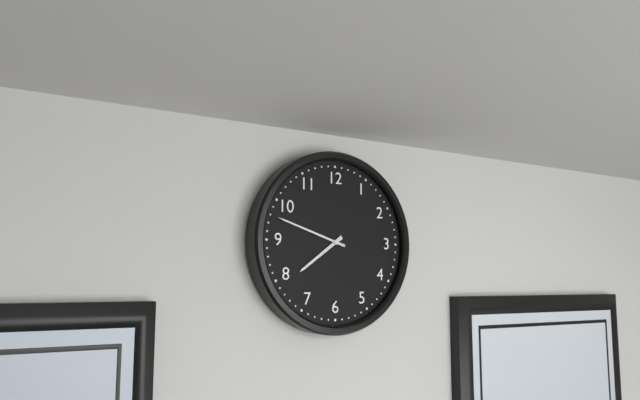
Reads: **7:48**
